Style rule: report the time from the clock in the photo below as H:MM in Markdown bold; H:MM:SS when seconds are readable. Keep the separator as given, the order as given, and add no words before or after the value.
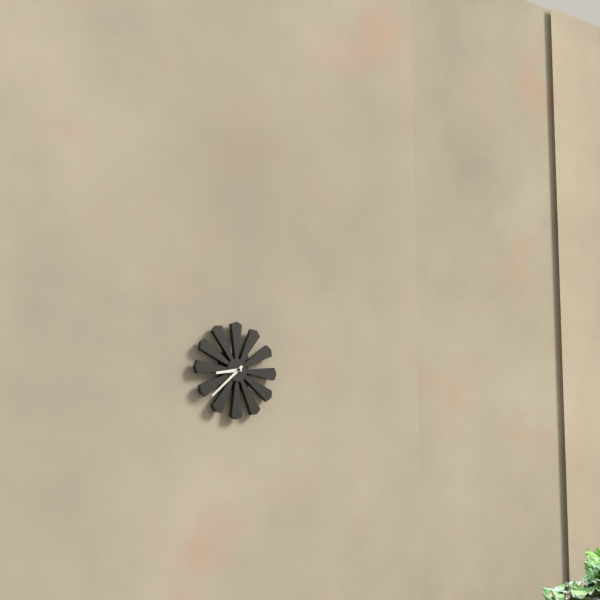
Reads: **8:38**
